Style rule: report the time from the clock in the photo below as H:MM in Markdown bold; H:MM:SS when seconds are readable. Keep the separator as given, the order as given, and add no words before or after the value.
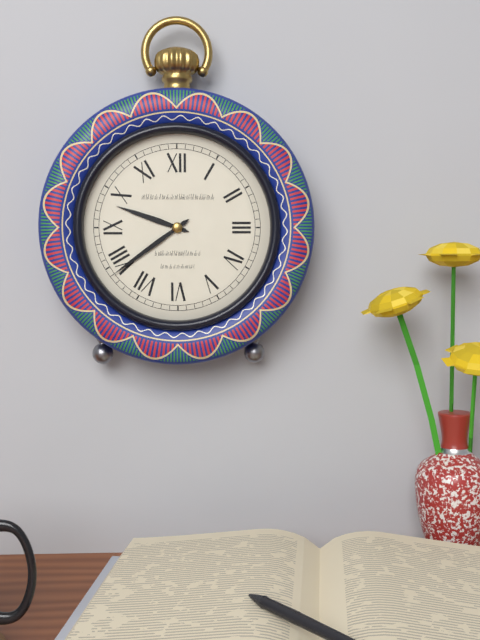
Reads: **9:39**
